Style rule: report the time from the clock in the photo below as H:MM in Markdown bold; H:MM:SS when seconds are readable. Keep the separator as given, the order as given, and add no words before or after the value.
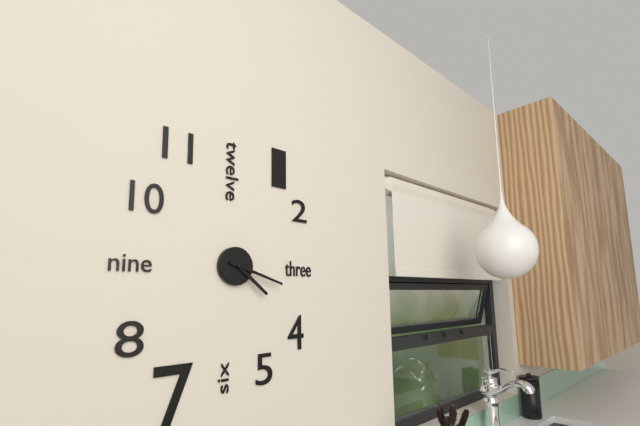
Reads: **4:18**
